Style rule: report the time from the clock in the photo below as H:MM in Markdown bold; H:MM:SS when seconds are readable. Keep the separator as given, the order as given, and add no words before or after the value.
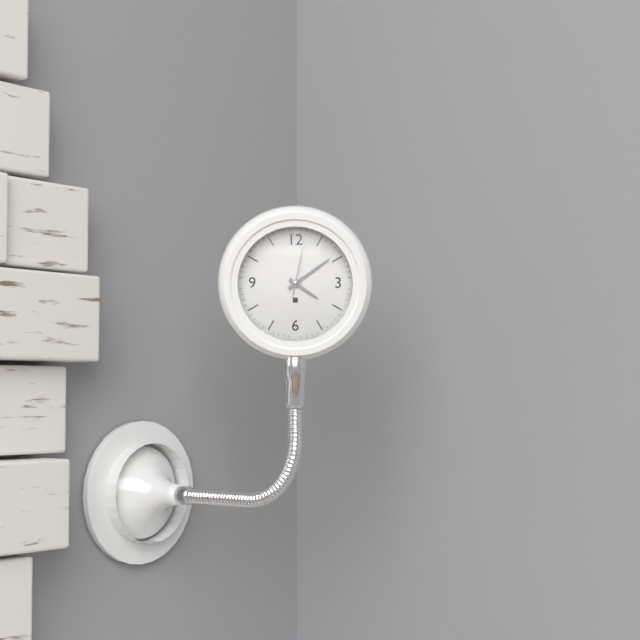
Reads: **4:09:02**
